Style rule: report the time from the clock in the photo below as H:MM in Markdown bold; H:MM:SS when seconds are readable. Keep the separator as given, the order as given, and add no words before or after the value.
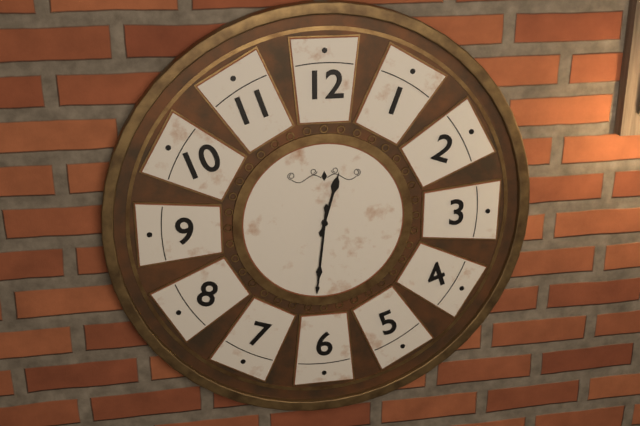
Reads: **12:31**
